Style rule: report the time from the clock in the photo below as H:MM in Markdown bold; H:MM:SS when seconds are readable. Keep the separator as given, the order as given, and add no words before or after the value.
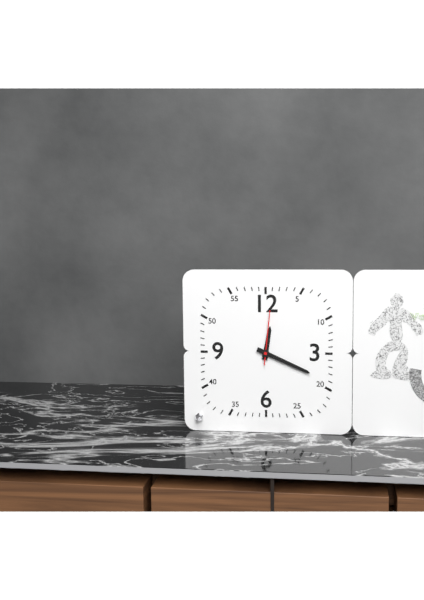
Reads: **12:19:01**
